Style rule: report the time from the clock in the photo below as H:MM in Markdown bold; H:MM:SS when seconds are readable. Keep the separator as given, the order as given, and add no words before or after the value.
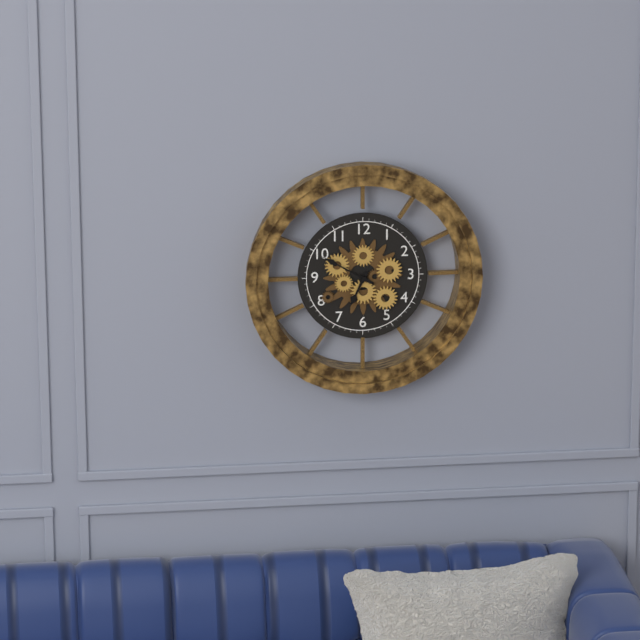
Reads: **6:50**
